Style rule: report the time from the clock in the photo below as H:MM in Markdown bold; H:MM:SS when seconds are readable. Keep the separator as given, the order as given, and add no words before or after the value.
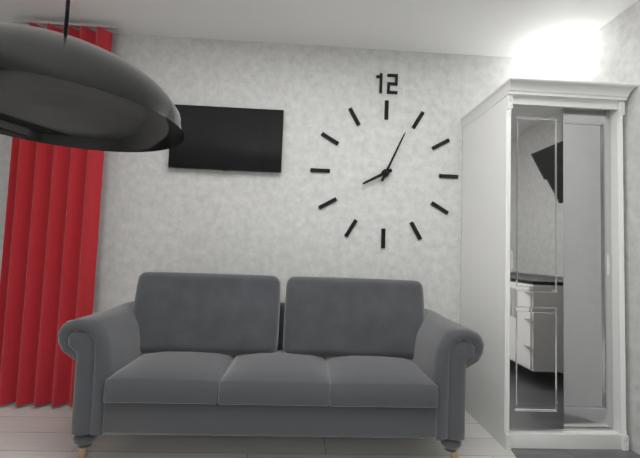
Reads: **8:04**
